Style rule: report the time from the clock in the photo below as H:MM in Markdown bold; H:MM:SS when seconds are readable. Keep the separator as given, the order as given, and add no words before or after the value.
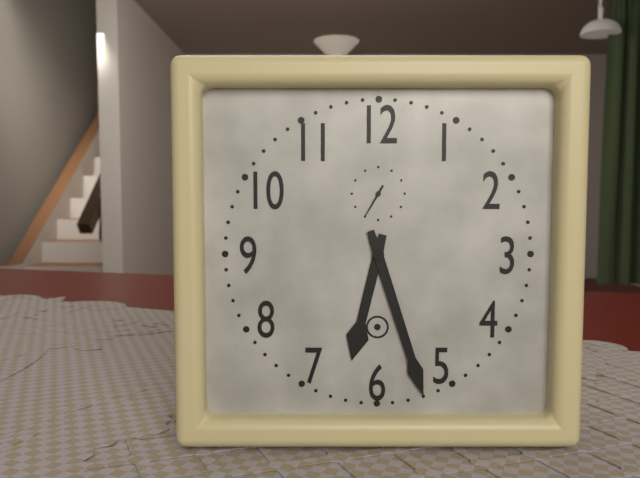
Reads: **6:27**
